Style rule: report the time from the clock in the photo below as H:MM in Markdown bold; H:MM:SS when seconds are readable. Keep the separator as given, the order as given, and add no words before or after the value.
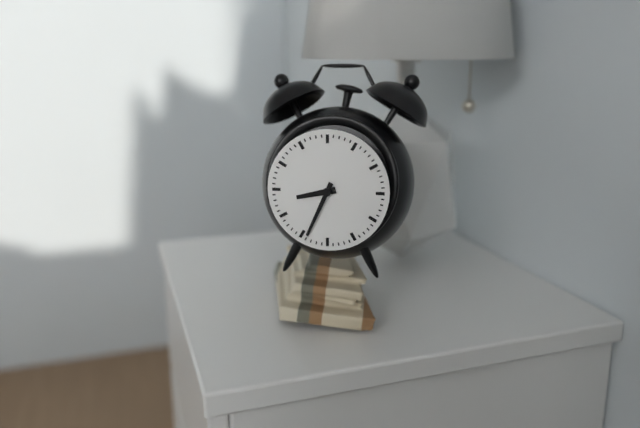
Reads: **8:34**
